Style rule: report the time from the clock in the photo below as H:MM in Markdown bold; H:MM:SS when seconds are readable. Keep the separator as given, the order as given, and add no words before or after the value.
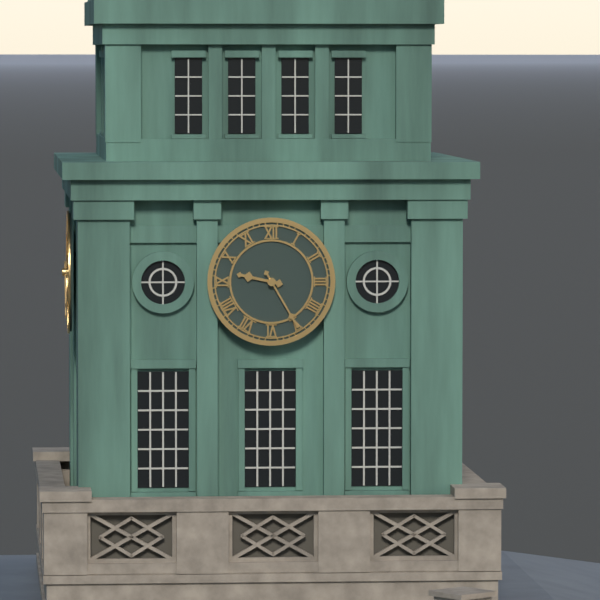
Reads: **9:25**
